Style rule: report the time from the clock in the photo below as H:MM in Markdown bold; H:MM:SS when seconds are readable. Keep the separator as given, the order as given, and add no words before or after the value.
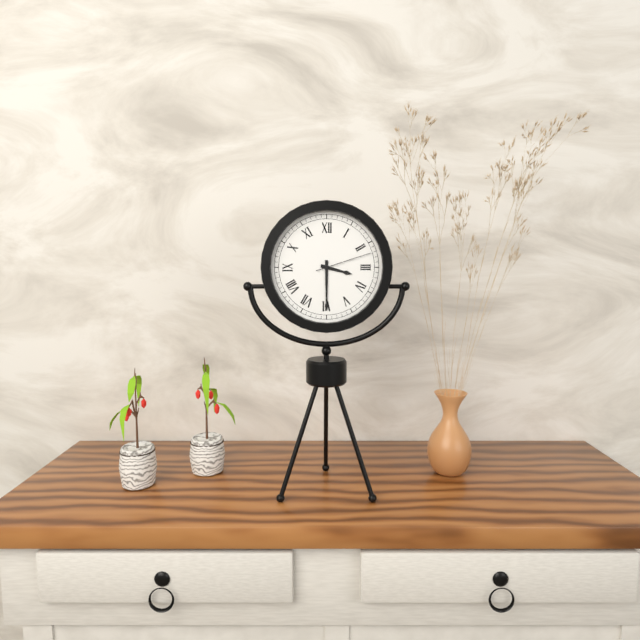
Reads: **3:30:12**
